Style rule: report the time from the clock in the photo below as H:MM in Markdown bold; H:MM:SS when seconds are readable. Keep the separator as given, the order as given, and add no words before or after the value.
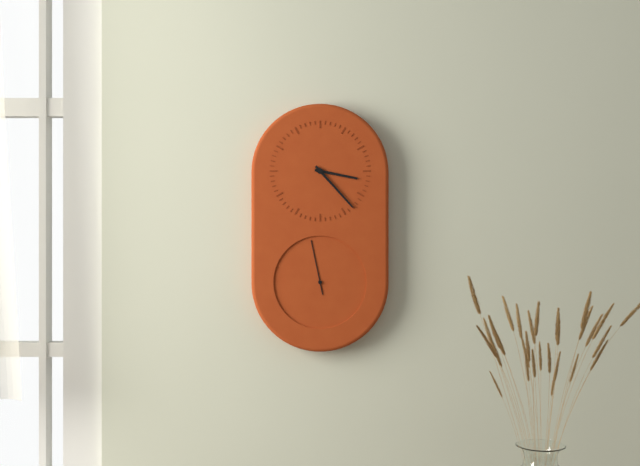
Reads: **3:23:58**
